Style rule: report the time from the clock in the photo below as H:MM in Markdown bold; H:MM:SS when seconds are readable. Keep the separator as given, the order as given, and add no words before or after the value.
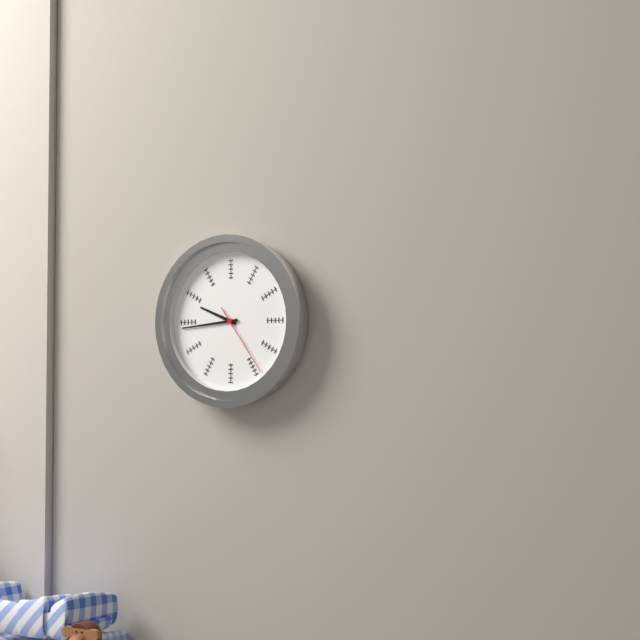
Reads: **9:44:24**
